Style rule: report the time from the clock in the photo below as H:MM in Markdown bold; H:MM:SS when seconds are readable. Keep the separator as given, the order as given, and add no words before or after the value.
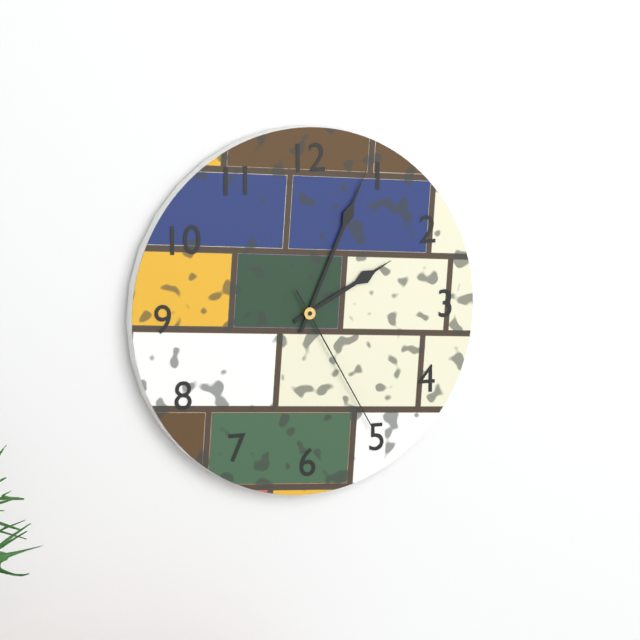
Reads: **2:04:25**
